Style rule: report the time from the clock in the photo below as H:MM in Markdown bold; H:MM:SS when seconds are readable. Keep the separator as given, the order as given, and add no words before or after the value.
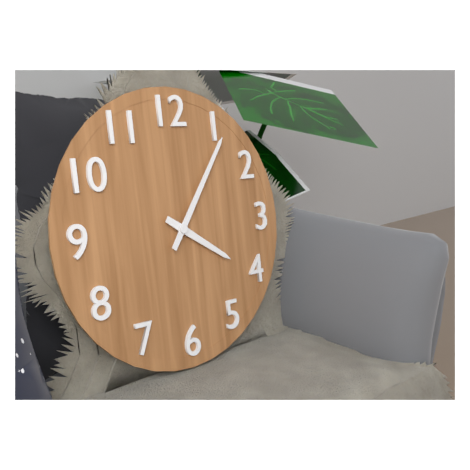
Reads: **4:06**
